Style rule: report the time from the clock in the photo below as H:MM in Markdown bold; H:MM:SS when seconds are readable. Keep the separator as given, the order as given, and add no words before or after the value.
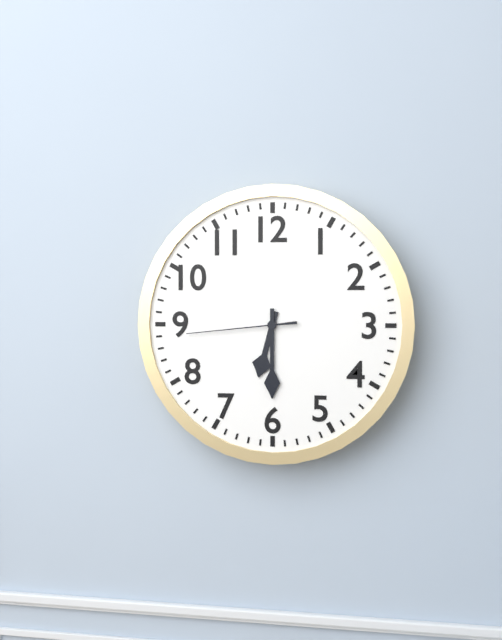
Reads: **6:30:44**
